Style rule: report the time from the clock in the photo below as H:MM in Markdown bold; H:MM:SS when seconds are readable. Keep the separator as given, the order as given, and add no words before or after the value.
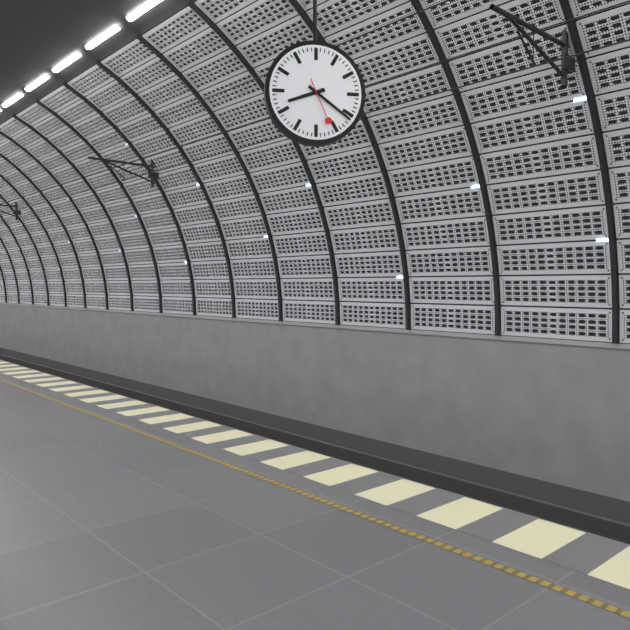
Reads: **8:21**
